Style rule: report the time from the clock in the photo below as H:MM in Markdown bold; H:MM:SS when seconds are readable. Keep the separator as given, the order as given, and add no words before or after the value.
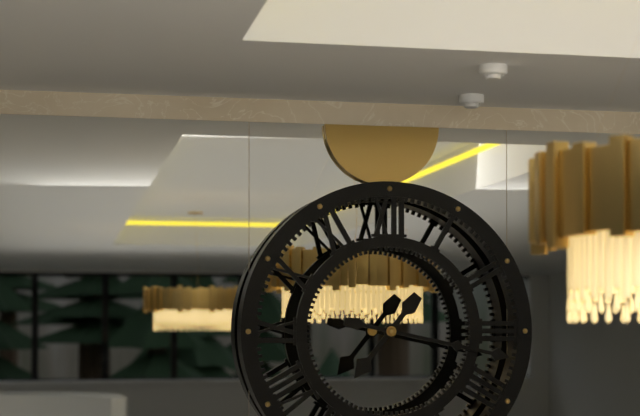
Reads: **7:17**
